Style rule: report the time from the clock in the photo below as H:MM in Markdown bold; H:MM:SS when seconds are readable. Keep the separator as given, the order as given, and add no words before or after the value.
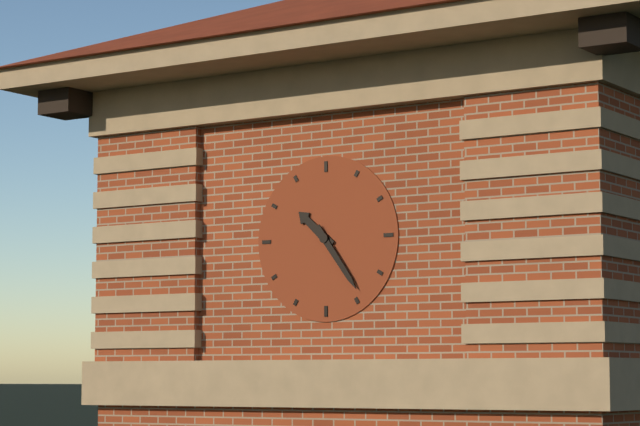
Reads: **10:24**
